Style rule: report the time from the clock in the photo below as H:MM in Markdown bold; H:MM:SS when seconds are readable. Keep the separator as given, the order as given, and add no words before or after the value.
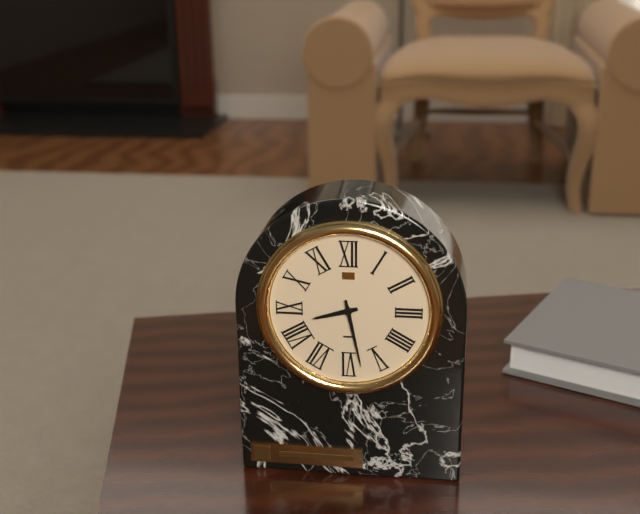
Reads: **8:28**
